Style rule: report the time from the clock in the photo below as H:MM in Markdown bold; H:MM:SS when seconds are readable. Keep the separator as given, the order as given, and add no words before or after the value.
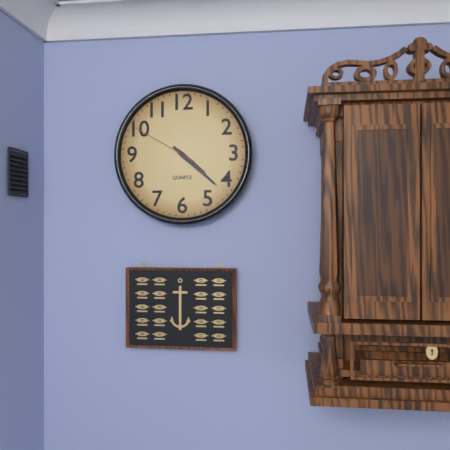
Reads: **4:22:50**
